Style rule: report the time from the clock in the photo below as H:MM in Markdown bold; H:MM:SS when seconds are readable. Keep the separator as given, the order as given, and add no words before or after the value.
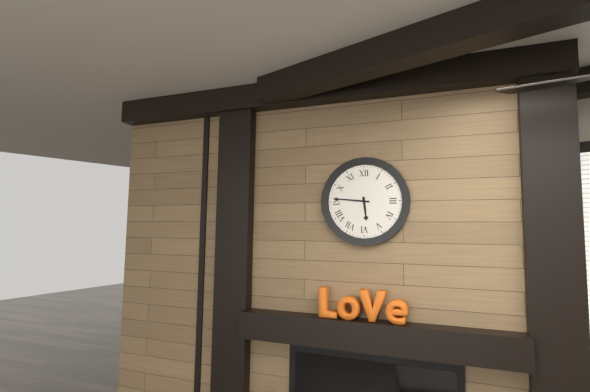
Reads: **5:46**
